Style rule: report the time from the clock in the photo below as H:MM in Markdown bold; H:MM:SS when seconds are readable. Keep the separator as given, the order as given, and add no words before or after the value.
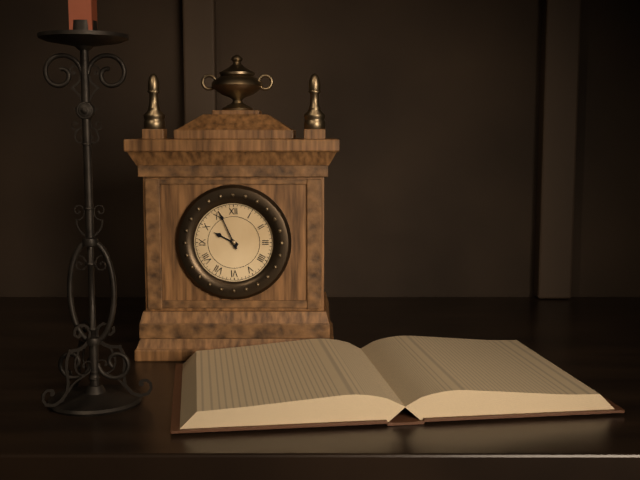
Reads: **9:56**
